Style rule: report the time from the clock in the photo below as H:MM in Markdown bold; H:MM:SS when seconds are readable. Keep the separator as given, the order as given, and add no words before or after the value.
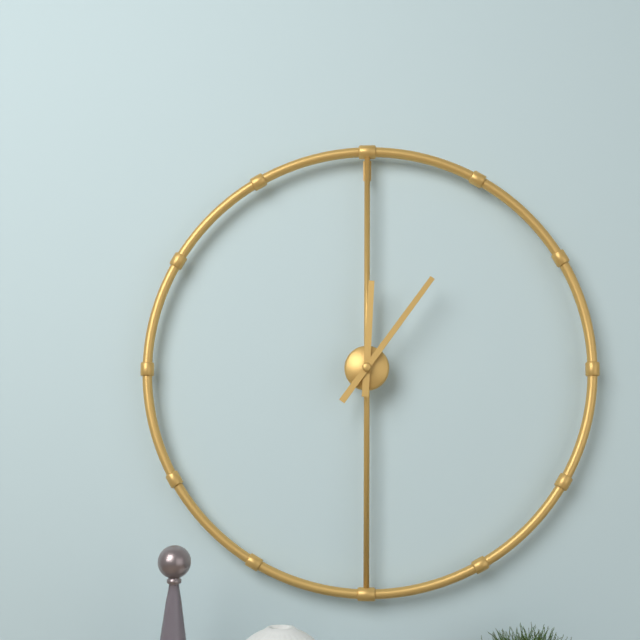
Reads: **12:06**
